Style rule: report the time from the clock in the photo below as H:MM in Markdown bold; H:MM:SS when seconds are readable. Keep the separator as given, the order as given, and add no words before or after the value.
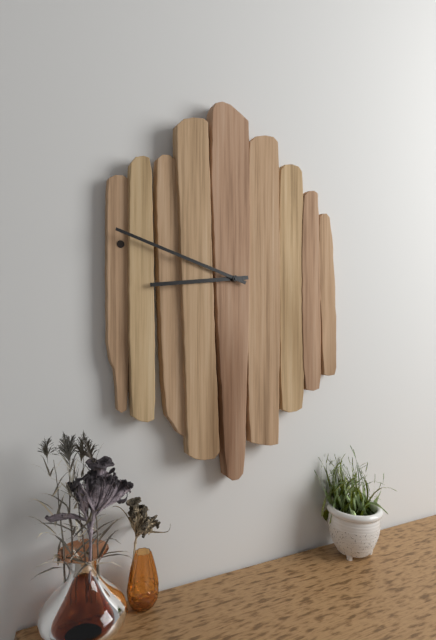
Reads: **8:48**
